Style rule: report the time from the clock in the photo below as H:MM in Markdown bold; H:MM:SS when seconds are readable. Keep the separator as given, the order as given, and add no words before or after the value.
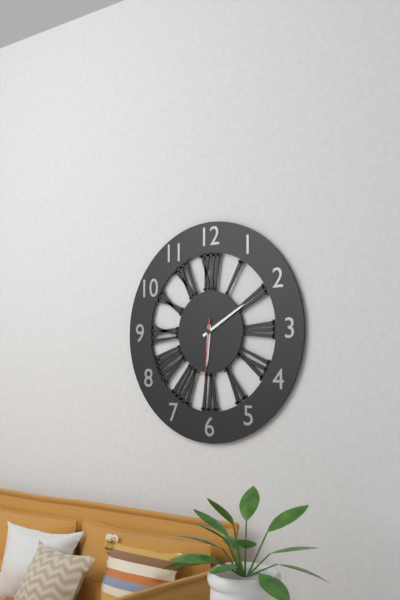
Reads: **6:10:31**
